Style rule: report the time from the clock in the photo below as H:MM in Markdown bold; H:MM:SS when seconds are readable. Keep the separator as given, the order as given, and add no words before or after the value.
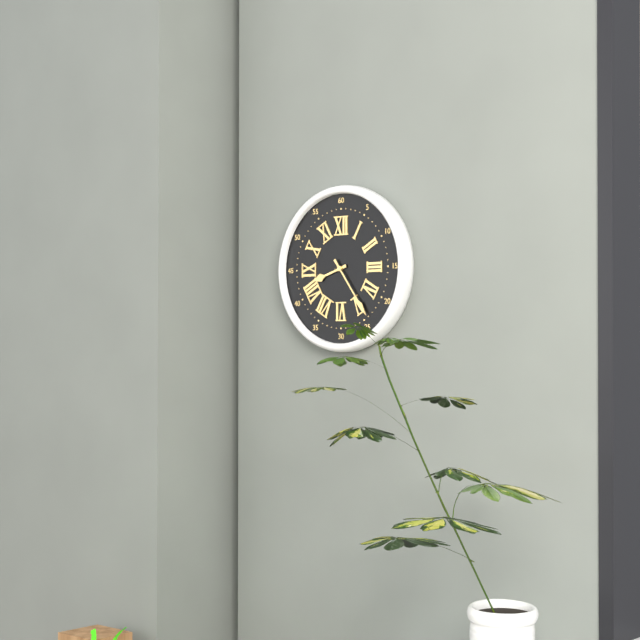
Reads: **8:24**
